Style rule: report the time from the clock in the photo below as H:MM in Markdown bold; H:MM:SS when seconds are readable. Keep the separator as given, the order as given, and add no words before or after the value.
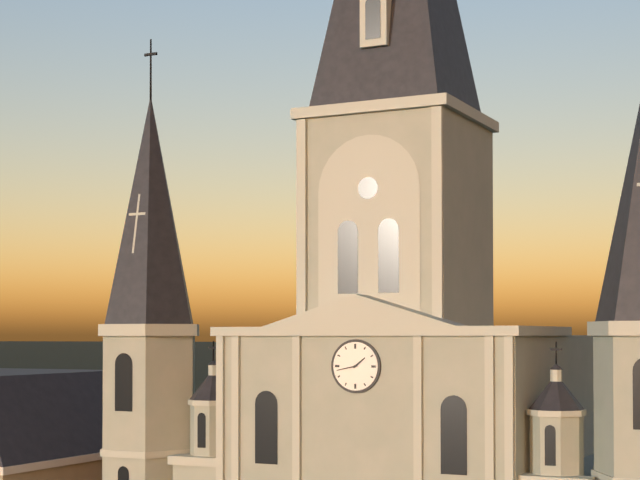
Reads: **1:43**
